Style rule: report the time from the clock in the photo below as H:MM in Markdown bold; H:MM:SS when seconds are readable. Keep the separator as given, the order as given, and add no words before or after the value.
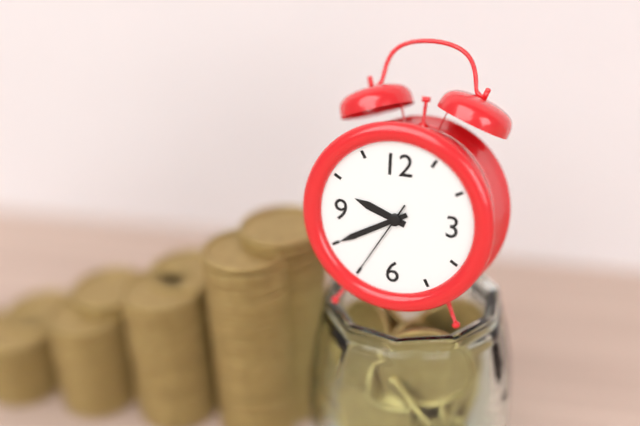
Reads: **9:40:35**
